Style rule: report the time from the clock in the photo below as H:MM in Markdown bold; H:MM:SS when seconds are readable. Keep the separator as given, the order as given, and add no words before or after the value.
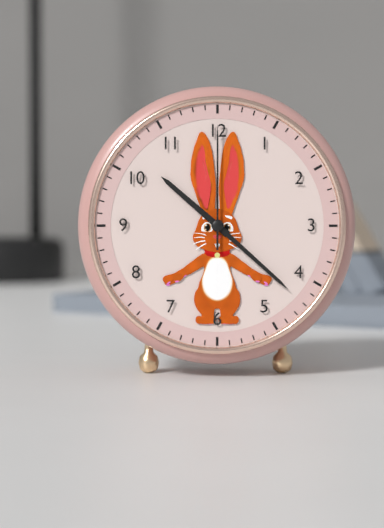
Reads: **10:22:00**
